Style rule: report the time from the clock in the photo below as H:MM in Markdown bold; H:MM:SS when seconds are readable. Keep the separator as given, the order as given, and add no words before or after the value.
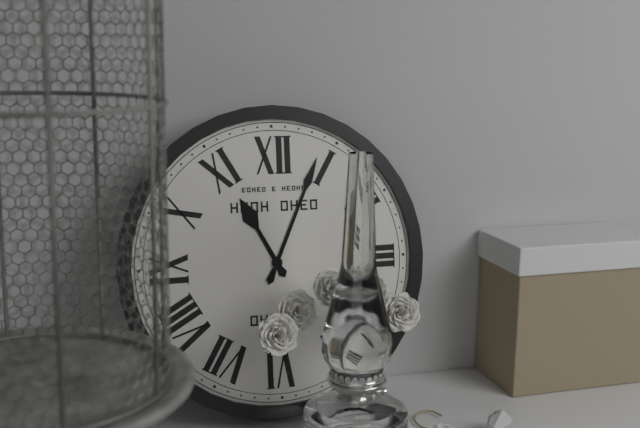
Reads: **11:04**
